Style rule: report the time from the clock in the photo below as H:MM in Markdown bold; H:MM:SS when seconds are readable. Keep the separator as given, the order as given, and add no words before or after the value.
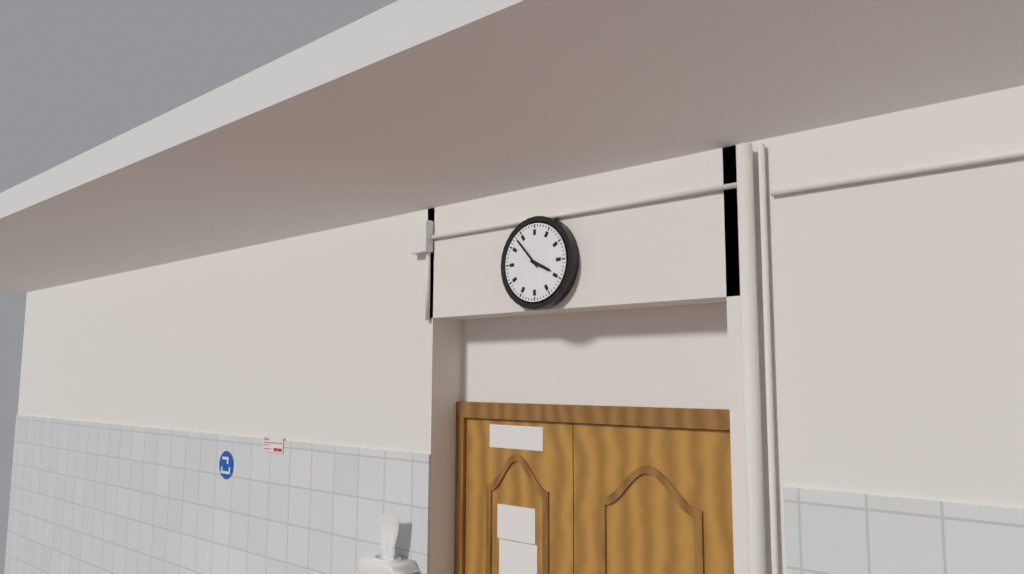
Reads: **3:53**
